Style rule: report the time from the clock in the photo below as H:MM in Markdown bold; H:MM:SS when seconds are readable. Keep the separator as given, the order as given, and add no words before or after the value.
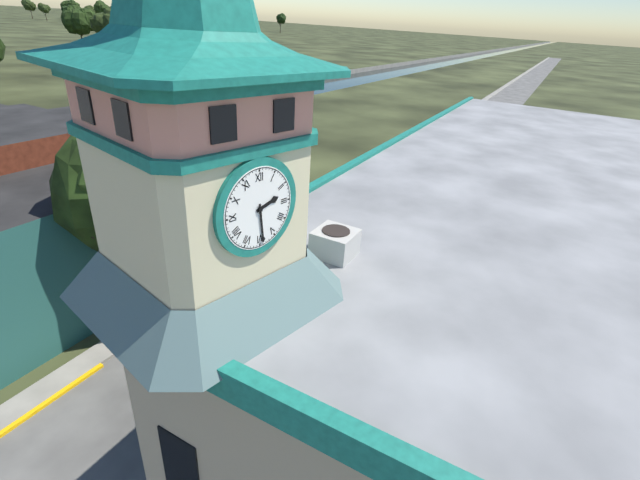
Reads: **2:29**
